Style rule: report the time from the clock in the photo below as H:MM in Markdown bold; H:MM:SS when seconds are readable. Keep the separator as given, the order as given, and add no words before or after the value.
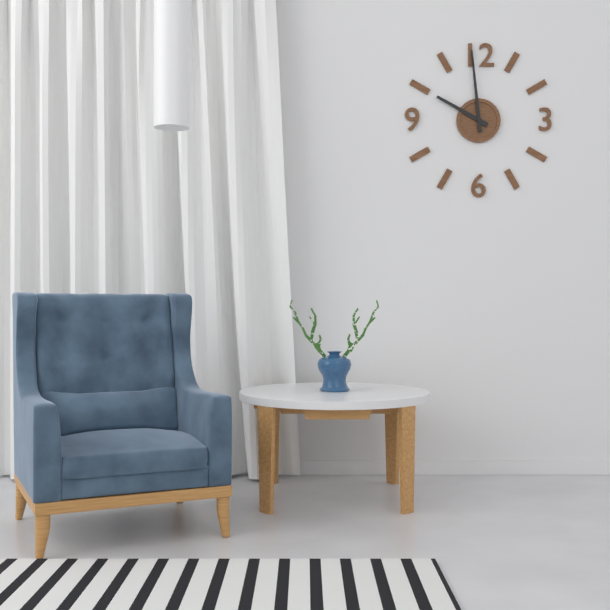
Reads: **9:59**
